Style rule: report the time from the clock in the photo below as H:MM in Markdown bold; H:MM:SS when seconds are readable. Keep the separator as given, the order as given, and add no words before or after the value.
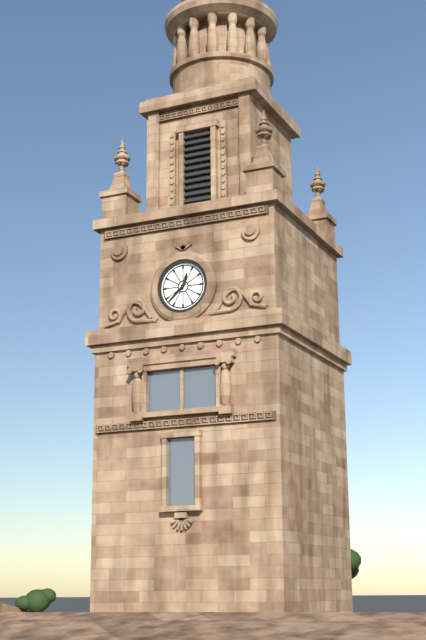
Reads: **12:38**
